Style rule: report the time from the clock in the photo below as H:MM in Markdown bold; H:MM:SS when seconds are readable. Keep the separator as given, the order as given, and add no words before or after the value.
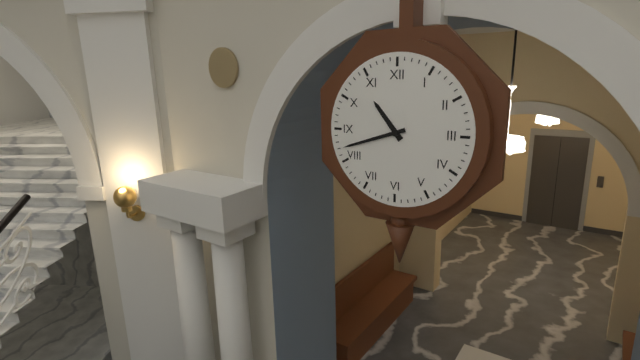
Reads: **10:42**
